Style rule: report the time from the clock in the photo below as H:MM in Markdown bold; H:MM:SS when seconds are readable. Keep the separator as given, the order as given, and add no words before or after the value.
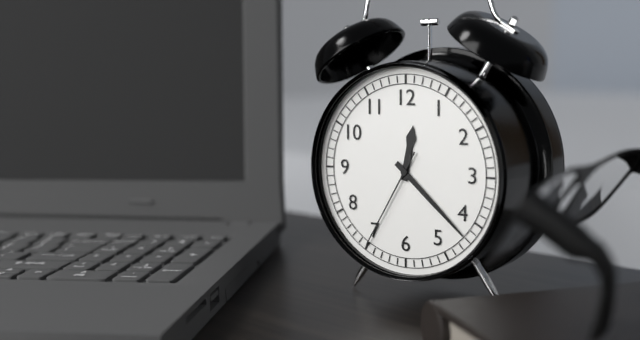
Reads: **12:22:35**
